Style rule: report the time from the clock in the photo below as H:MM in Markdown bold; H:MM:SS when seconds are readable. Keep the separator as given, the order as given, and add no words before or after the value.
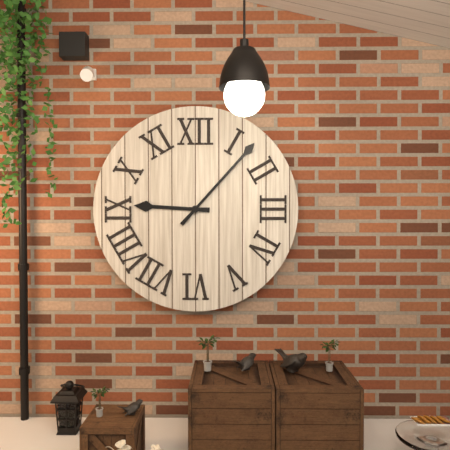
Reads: **9:07**
